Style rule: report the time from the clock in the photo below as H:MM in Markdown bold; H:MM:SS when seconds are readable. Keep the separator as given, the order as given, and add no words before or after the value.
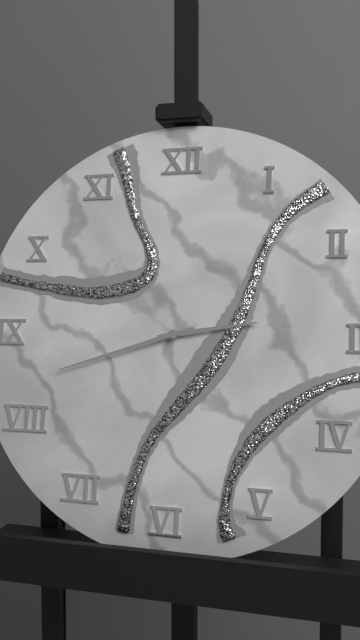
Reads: **2:42**
